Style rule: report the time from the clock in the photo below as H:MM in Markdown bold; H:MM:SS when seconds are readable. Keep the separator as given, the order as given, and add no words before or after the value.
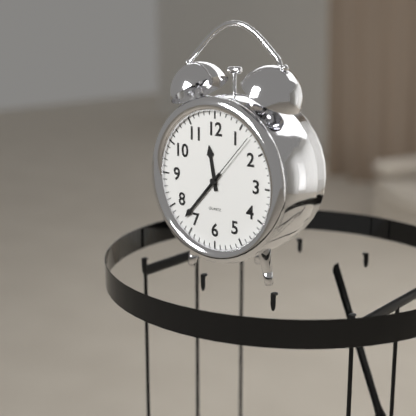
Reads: **11:37:07**
